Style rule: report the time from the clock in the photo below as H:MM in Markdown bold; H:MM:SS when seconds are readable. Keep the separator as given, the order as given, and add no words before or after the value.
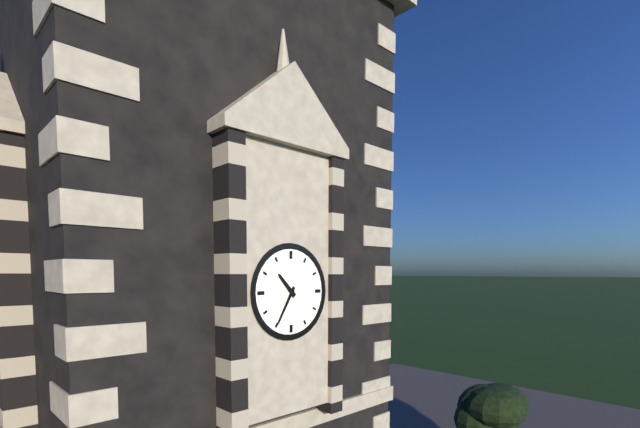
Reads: **10:35**
